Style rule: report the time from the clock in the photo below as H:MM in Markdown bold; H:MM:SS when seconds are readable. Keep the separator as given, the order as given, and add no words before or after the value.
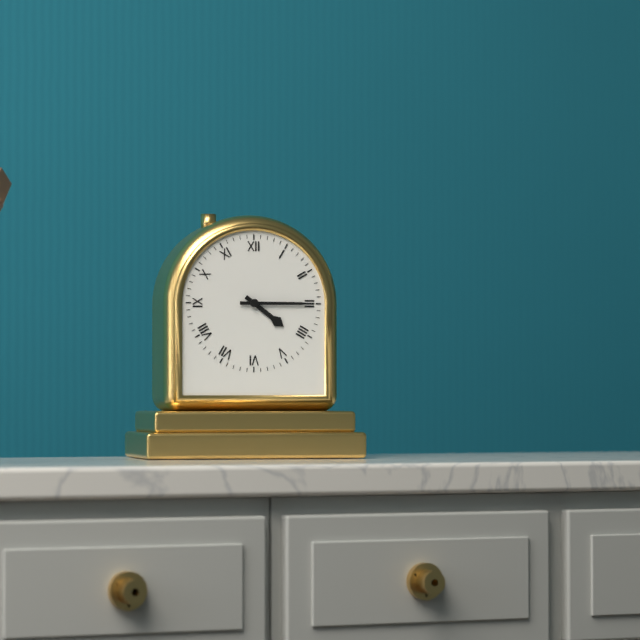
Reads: **4:15**
